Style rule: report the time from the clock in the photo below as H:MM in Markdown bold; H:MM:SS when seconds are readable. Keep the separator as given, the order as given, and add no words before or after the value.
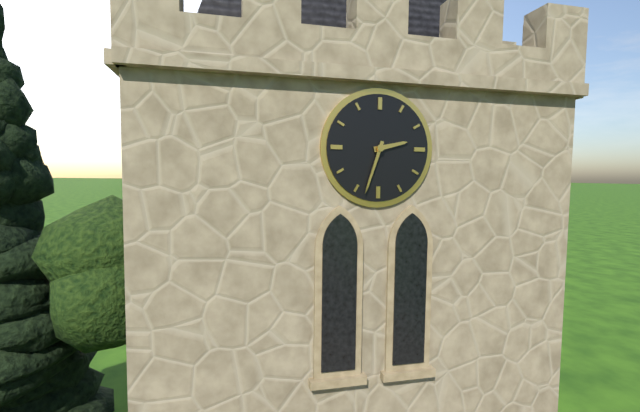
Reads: **2:33**
